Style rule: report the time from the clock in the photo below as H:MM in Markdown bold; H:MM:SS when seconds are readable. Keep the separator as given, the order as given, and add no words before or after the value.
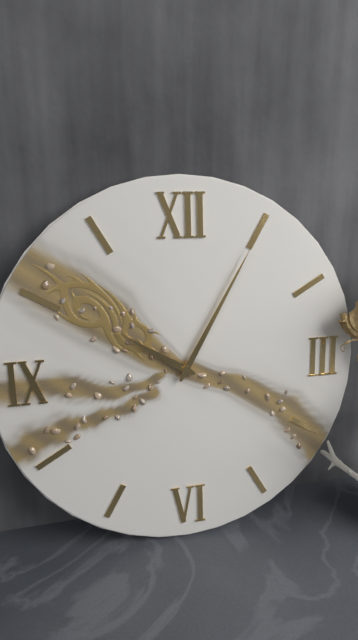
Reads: **10:05**
